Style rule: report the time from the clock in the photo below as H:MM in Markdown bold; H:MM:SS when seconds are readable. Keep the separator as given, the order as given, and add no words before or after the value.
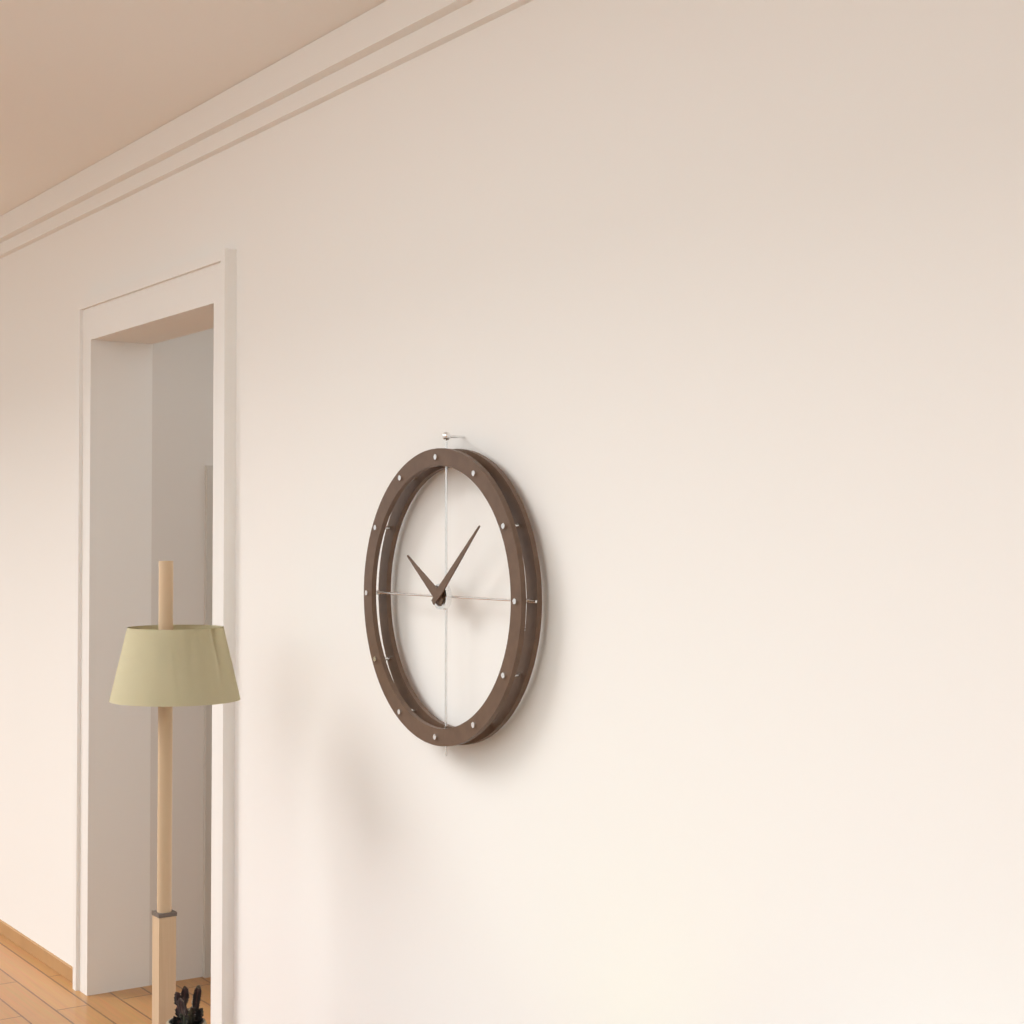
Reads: **10:08**
